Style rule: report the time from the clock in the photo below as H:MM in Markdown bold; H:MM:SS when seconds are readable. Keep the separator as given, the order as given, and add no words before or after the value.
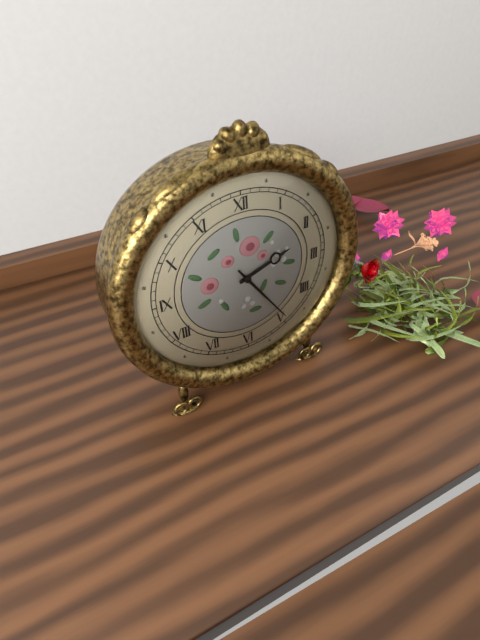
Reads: **2:24**
